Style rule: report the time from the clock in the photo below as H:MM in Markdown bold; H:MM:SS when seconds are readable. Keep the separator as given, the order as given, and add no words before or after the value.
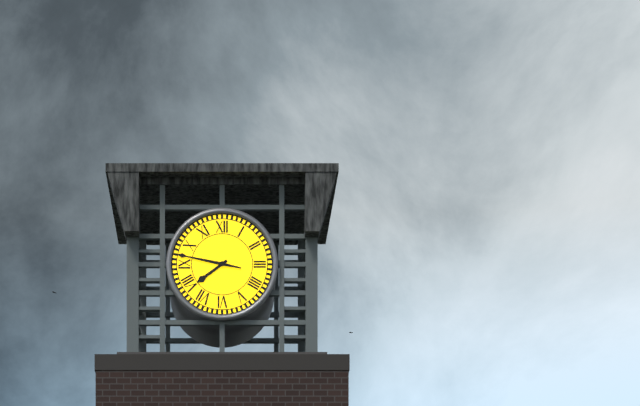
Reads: **7:47**
